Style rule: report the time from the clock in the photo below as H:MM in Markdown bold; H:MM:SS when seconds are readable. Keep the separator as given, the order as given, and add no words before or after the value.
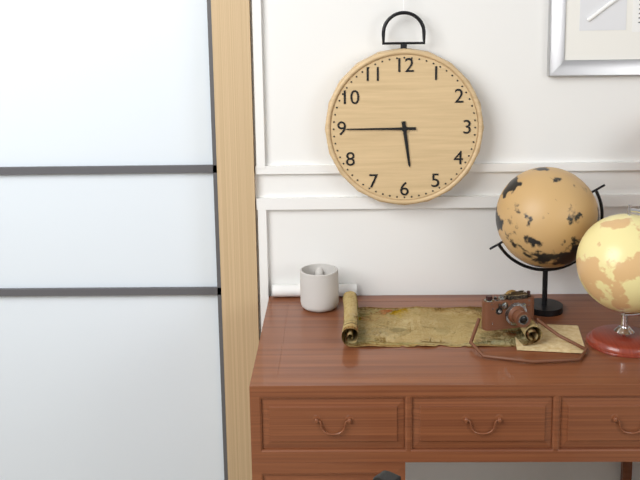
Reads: **5:45**
